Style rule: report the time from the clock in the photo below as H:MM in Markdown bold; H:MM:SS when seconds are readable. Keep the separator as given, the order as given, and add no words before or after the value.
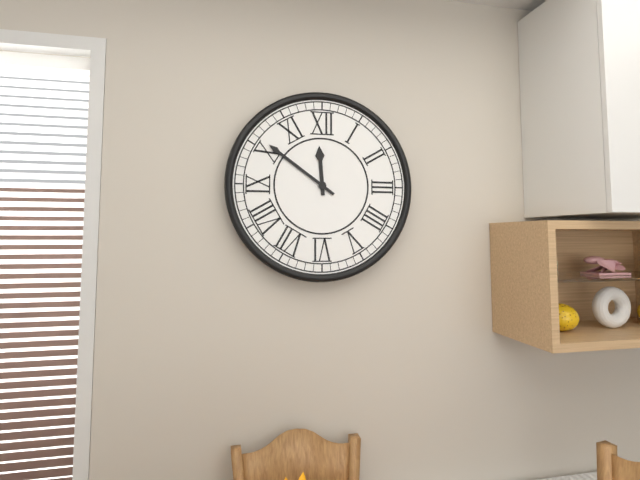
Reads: **11:51**
